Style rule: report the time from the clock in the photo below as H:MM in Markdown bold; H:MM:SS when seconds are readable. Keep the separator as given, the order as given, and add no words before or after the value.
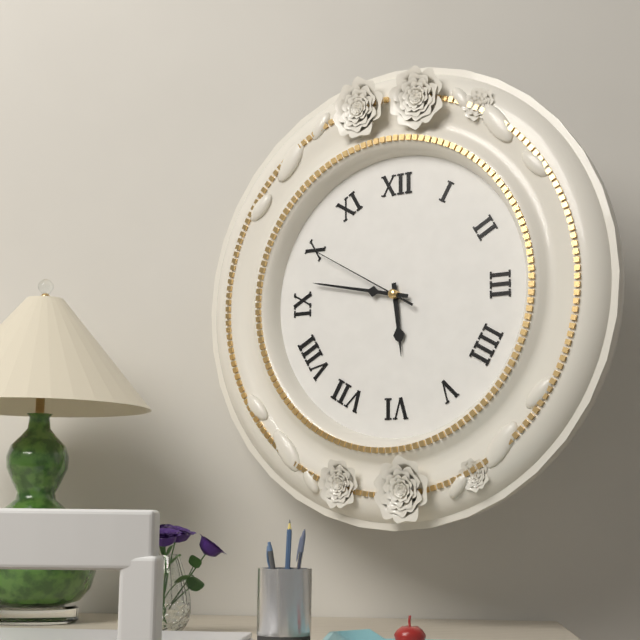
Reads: **5:47:50**
